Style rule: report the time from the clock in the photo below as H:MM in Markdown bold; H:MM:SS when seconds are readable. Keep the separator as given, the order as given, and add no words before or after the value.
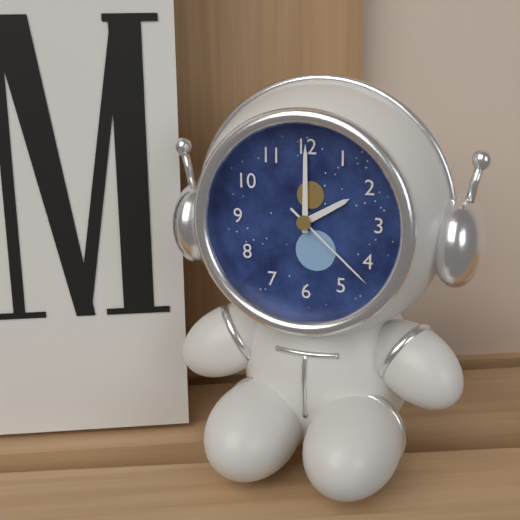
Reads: **2:00:22**
